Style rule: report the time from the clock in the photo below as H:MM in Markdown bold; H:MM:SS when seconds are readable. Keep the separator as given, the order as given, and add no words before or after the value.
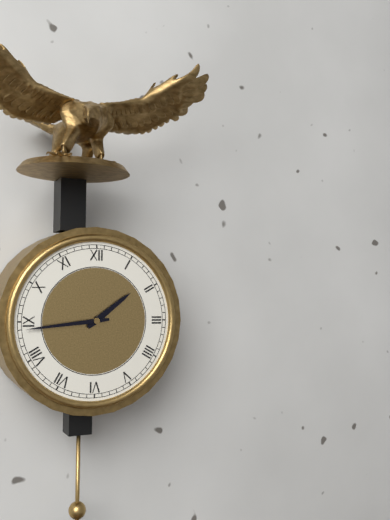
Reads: **1:44**
